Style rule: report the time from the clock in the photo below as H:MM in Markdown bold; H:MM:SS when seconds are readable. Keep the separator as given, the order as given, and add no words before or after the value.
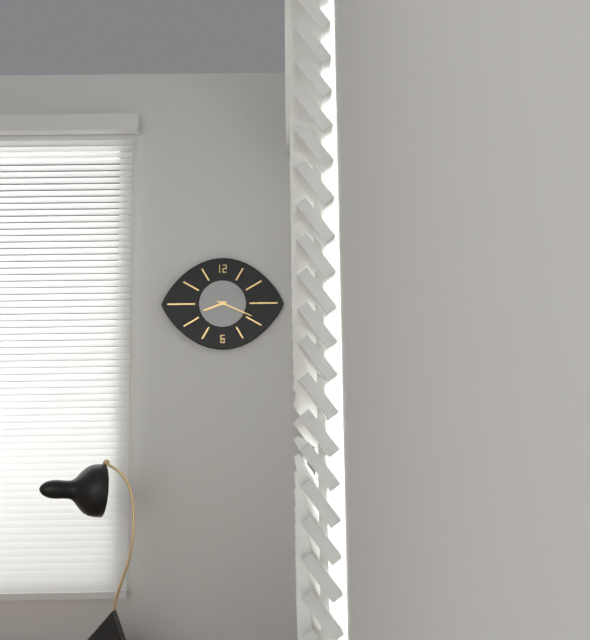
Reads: **8:19**
